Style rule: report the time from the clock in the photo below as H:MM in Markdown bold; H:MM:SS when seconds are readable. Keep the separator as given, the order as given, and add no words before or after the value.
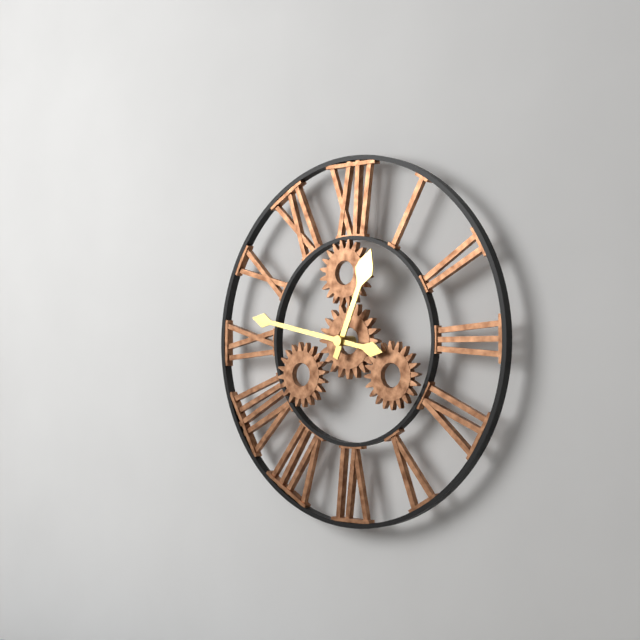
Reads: **12:47**
